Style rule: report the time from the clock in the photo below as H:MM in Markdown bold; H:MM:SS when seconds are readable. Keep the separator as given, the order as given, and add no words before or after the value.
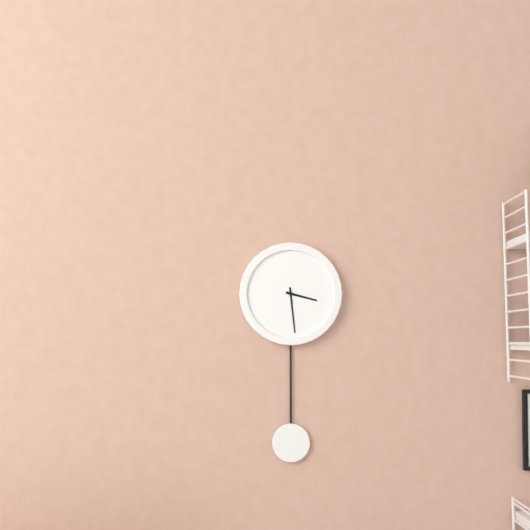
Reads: **3:29**
